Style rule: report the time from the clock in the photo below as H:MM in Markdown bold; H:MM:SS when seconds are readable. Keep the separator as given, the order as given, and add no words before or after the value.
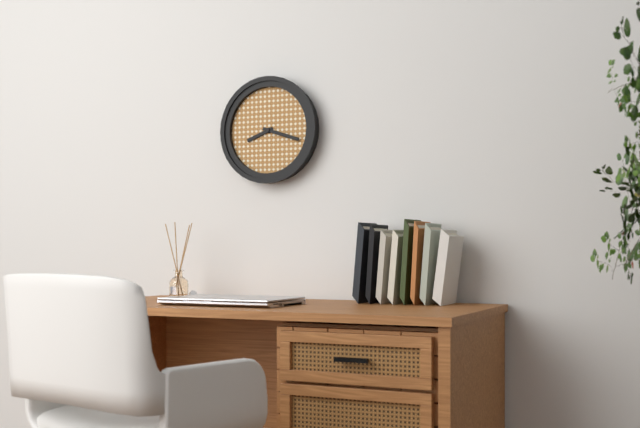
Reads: **8:18**
